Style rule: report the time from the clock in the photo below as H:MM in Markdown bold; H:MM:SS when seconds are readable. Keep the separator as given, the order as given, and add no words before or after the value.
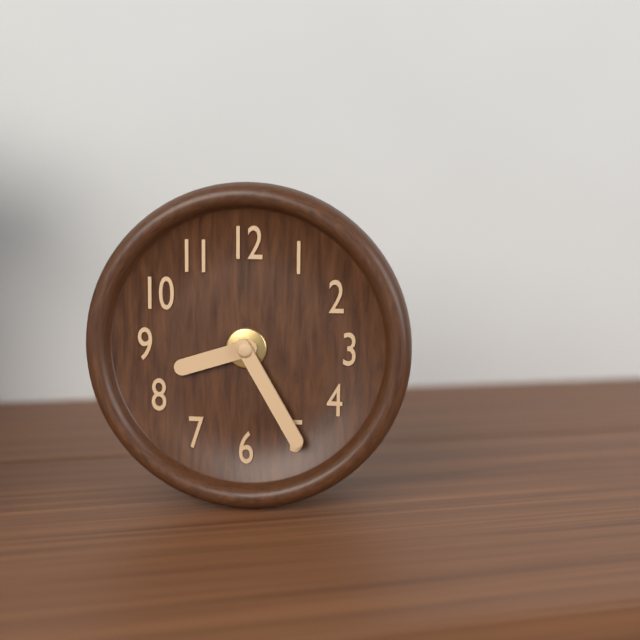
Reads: **8:25**
